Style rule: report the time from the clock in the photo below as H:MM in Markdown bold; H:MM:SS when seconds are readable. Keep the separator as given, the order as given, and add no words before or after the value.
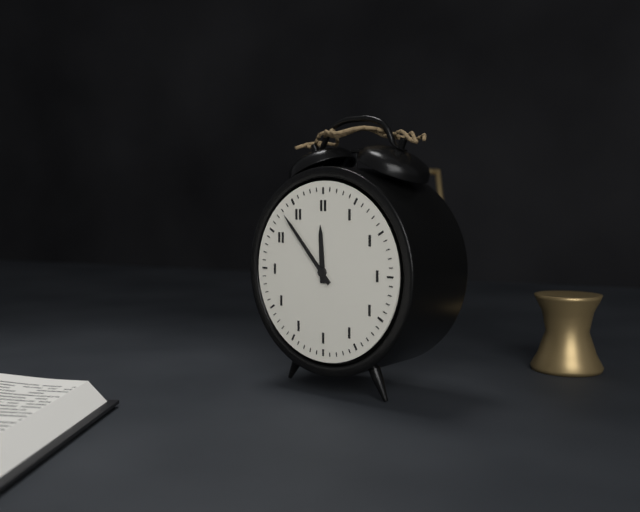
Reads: **11:53**
